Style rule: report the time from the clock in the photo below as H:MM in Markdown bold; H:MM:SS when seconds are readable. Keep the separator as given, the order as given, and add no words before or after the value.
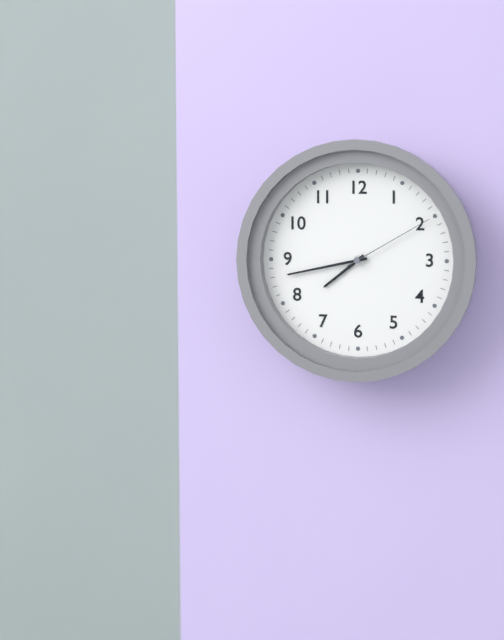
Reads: **7:43:10**
